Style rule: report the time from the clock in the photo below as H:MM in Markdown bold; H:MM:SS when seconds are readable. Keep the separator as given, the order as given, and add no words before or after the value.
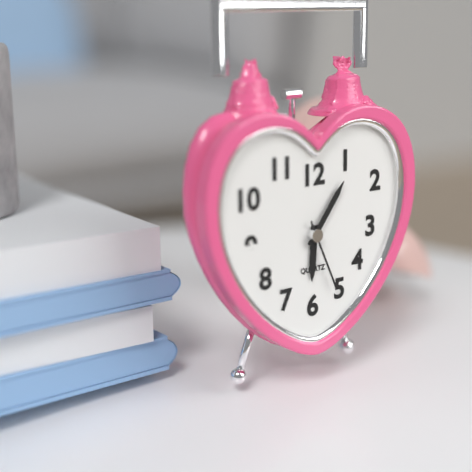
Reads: **6:06:26**
